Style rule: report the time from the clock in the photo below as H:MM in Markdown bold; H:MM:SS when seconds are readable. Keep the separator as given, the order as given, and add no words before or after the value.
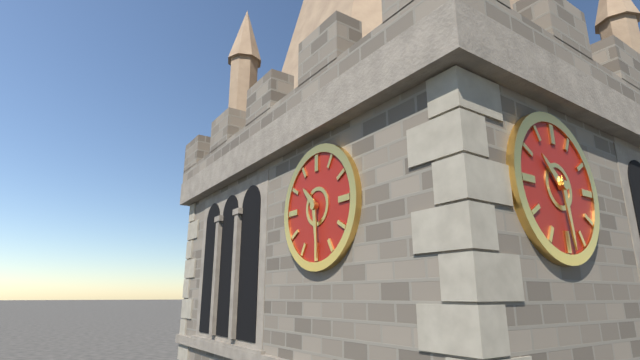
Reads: **10:29**
